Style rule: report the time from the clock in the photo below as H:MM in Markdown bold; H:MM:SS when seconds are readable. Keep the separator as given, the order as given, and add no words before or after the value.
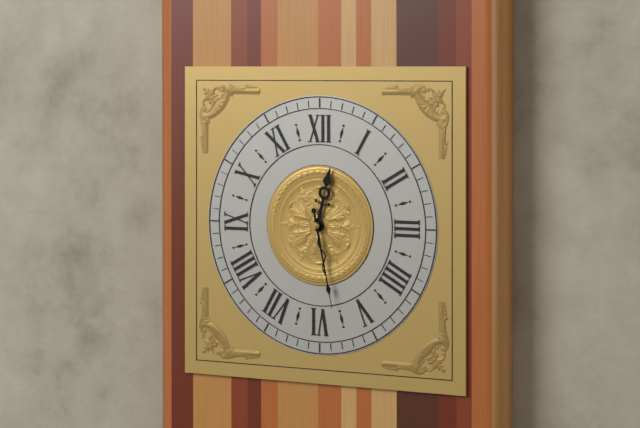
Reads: **12:28**
